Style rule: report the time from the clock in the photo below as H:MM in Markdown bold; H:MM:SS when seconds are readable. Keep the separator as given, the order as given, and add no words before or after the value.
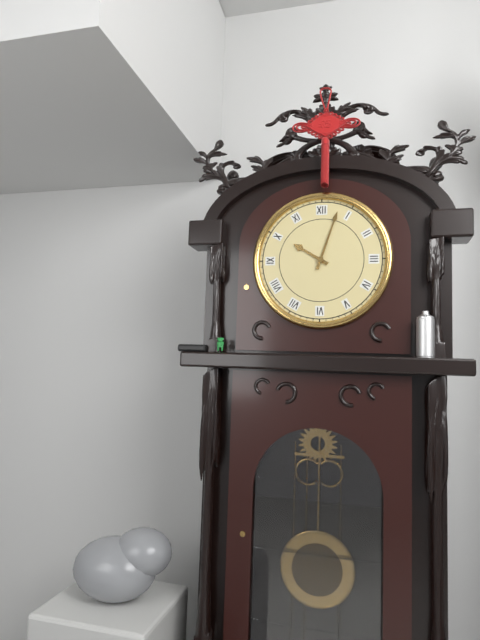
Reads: **10:03**
